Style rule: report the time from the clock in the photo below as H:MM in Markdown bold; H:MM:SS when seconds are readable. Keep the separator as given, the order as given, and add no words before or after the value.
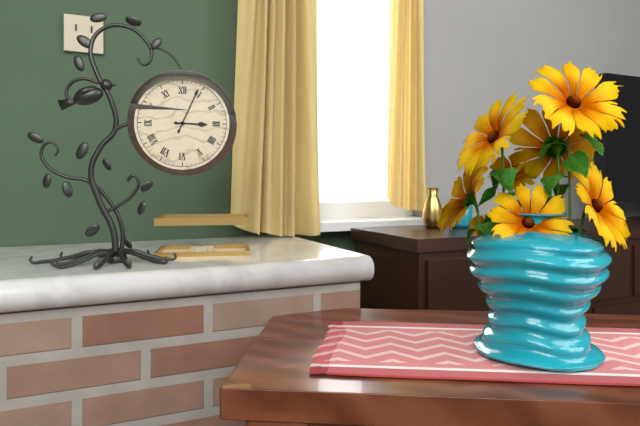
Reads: **3:04**
